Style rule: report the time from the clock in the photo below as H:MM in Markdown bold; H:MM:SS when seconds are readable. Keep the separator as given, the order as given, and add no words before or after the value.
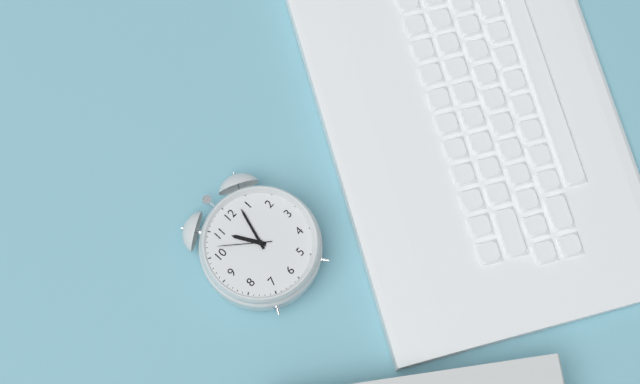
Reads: **11:03:52**
